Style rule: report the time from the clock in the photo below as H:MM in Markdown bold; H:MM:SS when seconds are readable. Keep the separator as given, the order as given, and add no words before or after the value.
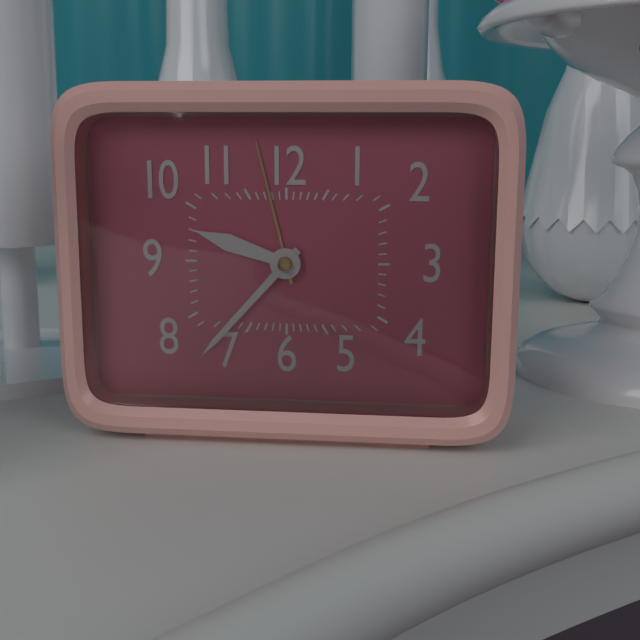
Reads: **9:37**
